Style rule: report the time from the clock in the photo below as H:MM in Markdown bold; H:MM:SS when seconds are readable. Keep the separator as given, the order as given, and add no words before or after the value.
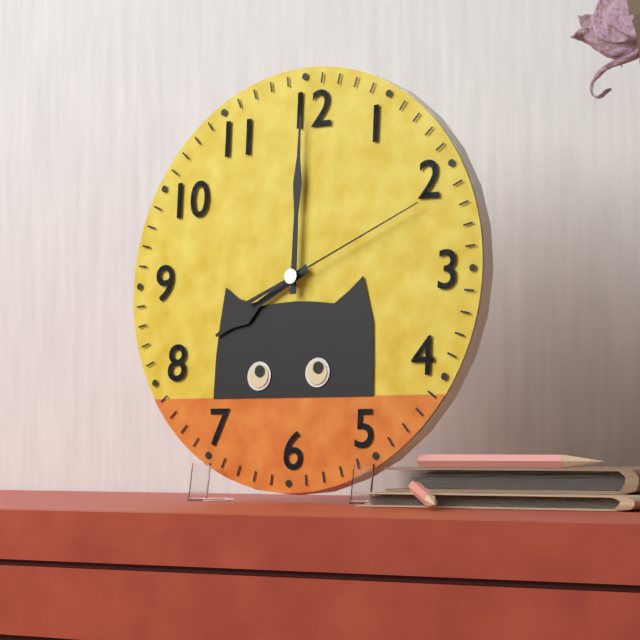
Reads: **8:00:11**
